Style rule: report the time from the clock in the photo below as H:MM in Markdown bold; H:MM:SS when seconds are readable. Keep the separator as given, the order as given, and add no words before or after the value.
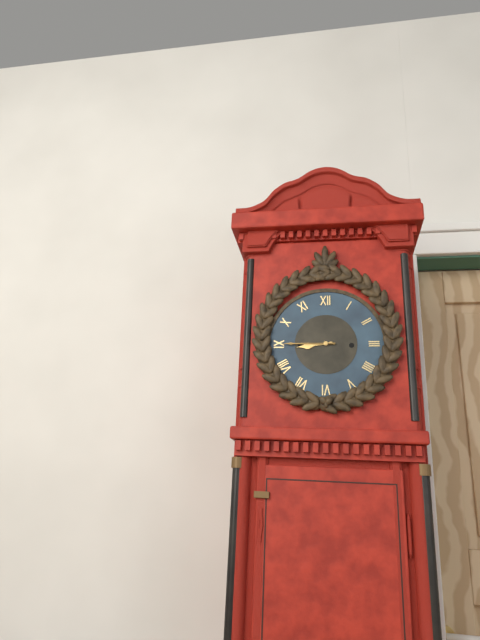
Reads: **8:45**
